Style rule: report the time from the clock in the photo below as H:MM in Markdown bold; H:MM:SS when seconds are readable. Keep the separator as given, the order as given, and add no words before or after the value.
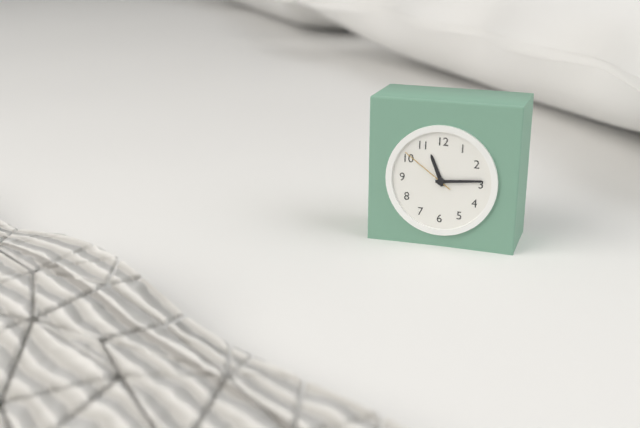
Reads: **11:14:51**
